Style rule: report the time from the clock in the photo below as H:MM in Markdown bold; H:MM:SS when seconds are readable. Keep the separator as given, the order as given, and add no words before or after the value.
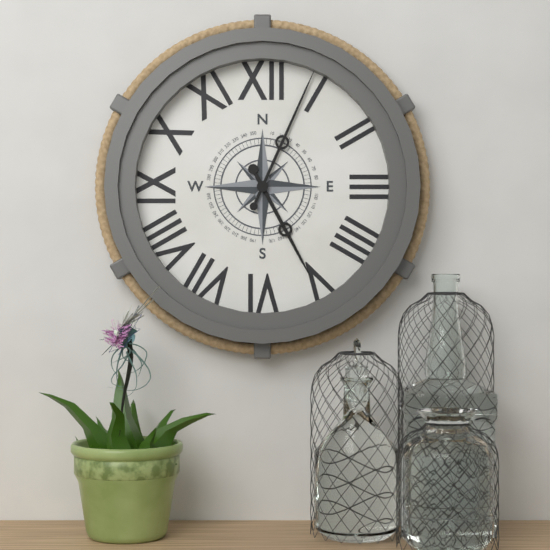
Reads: **5:04**
